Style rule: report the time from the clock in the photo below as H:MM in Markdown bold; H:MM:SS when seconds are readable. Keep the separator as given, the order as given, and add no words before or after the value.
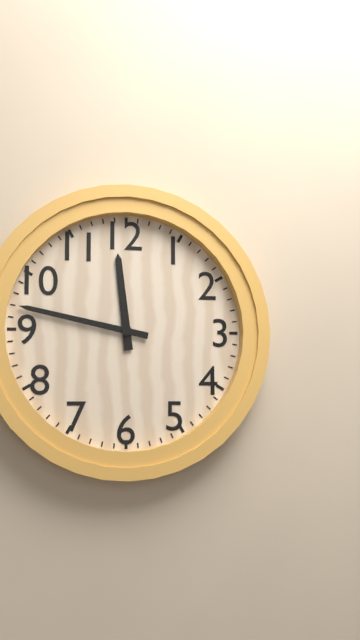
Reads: **11:47**
